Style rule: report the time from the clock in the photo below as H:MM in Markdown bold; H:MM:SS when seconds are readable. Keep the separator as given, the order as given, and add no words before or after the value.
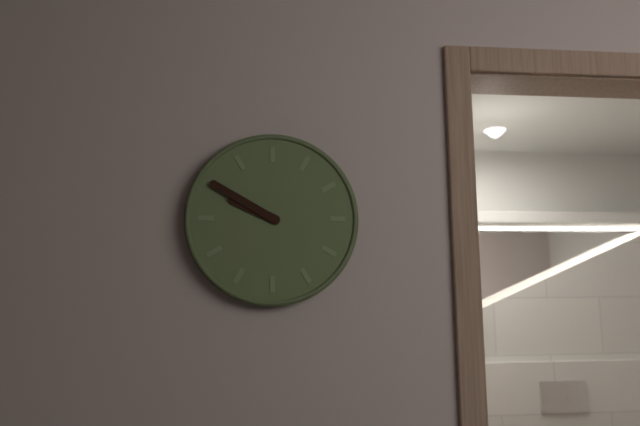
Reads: **9:50**
